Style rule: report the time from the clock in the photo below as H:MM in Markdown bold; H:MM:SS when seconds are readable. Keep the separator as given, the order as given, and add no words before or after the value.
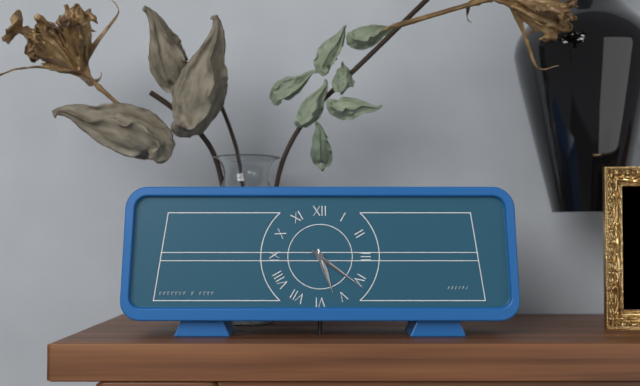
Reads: **5:21**
